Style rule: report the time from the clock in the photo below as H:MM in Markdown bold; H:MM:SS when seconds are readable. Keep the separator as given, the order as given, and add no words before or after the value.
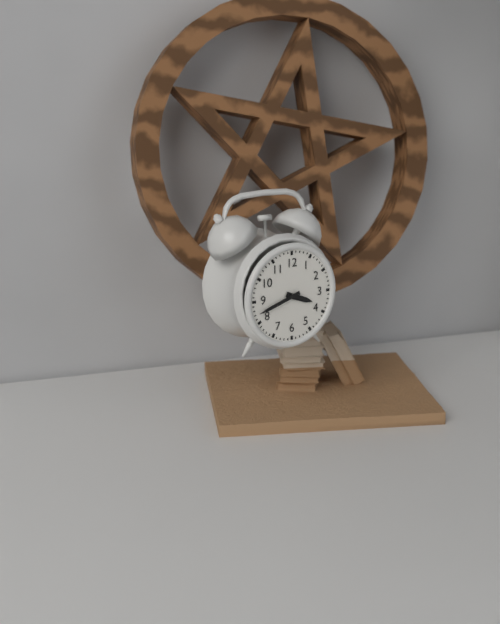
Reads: **3:42**
